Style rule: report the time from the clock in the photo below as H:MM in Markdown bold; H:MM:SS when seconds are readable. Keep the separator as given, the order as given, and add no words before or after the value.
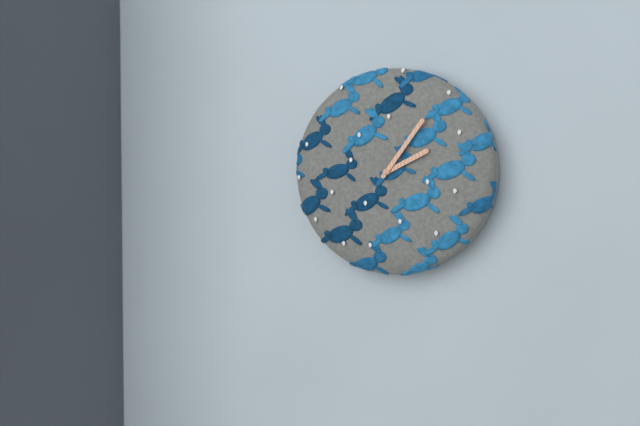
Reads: **2:06**
